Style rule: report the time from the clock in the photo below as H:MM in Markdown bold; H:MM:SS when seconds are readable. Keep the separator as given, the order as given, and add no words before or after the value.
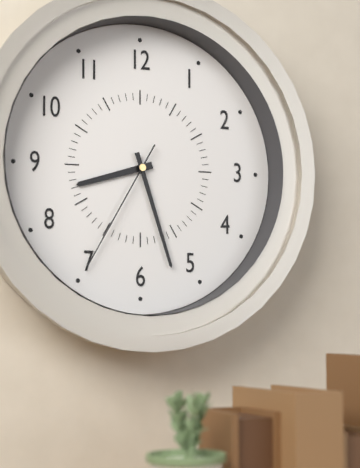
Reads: **8:27:35**
